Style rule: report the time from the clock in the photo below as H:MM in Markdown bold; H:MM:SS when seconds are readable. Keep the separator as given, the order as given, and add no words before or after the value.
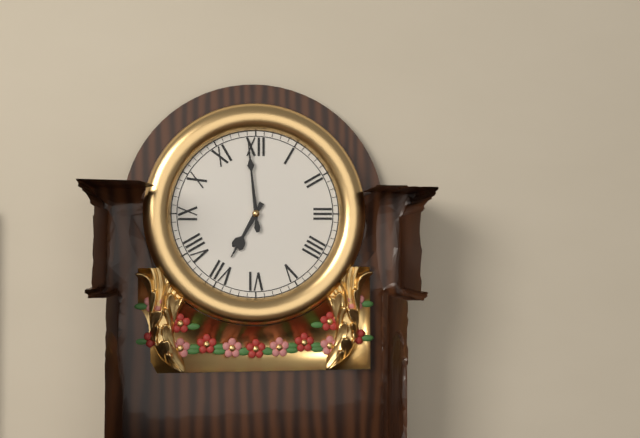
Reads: **6:59**
